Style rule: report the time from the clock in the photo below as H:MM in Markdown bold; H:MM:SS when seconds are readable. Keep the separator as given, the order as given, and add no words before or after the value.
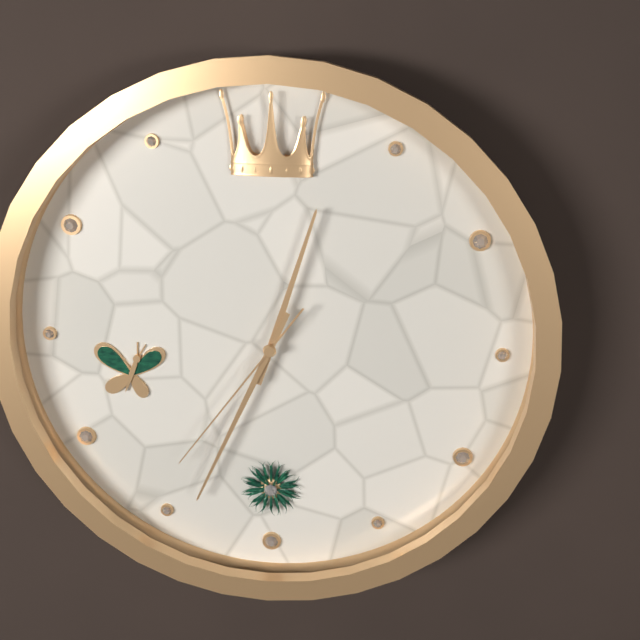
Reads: **12:34:36**
